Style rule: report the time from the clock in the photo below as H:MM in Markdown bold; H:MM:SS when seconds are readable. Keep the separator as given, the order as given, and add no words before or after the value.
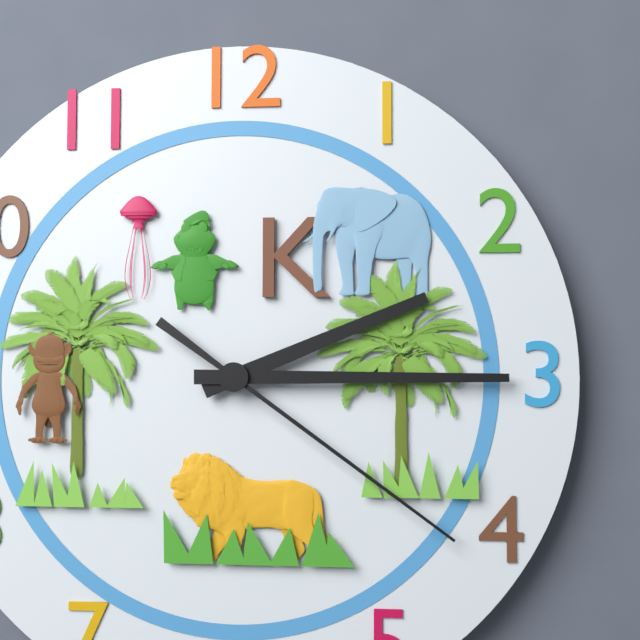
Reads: **2:15:21**
